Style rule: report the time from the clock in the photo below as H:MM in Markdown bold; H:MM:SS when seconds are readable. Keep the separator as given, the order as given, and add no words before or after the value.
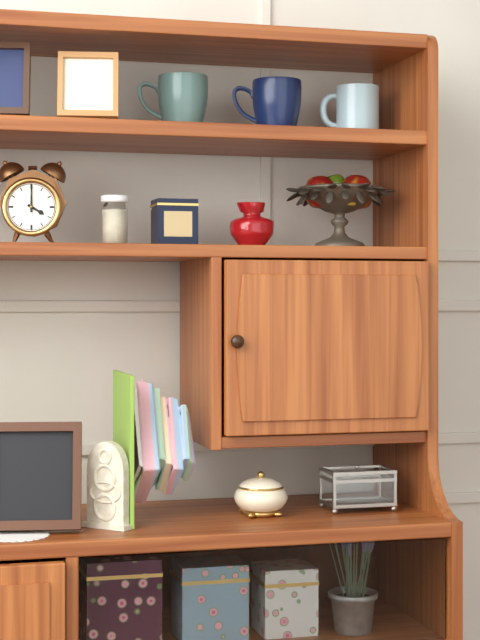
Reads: **4:00**
